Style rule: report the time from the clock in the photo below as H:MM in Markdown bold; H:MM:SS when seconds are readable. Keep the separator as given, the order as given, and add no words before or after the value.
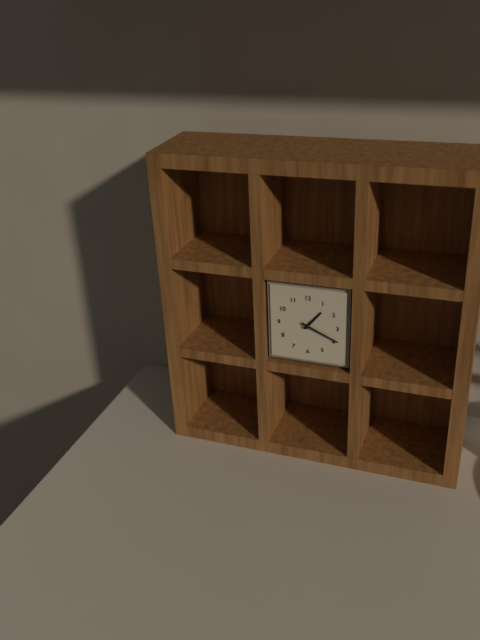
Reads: **1:19**
